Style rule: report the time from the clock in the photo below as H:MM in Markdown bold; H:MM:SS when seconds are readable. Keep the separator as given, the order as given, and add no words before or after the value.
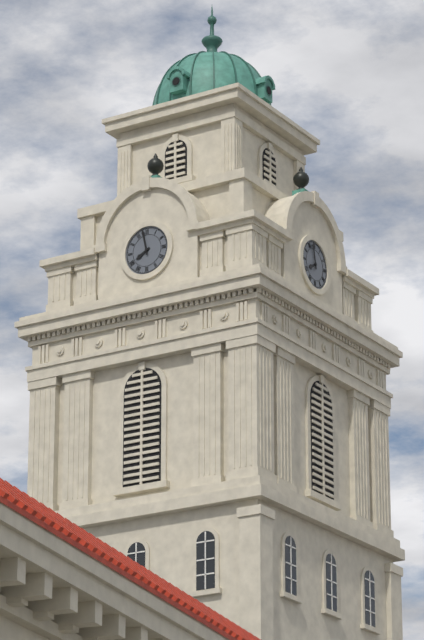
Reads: **7:58**
